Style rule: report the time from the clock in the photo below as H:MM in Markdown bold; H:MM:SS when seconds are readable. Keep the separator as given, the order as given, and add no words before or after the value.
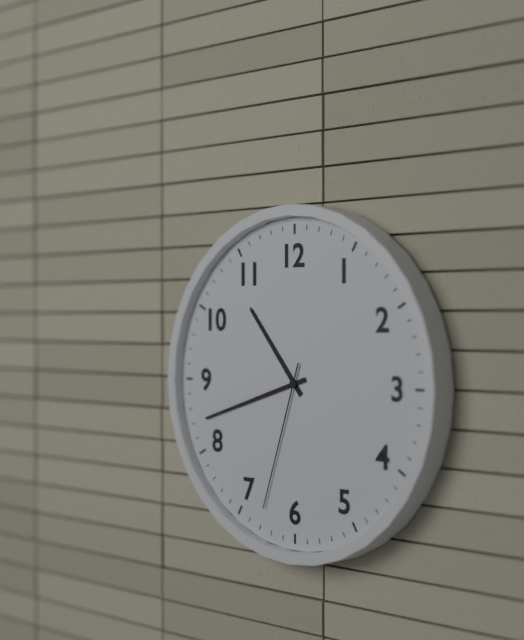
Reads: **10:42:33**
